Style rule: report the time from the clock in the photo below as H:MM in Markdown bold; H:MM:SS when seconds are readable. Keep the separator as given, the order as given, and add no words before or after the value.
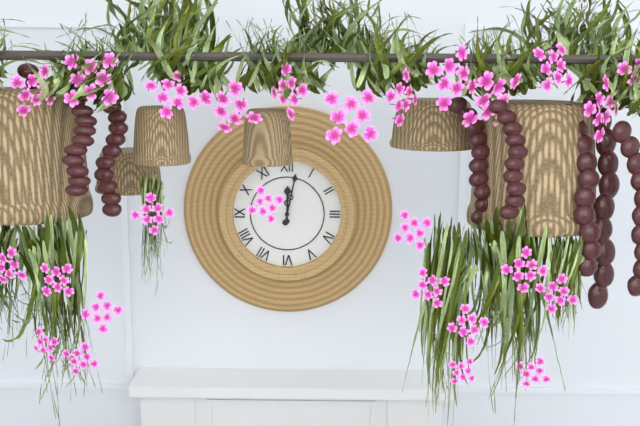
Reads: **12:02**
